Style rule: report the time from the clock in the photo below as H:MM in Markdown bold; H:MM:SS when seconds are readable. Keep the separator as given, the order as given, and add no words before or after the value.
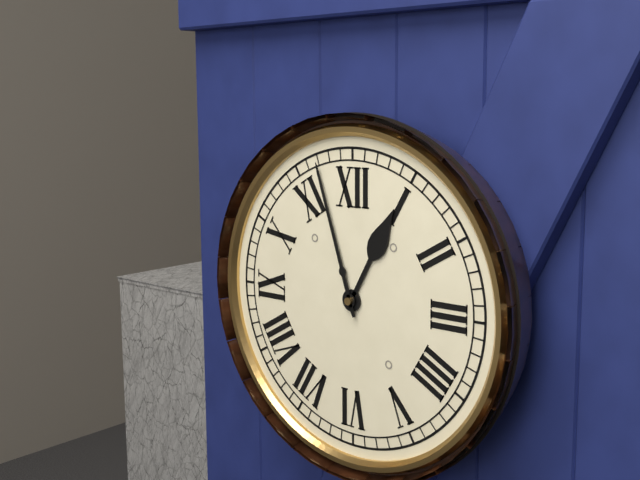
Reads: **12:57**
